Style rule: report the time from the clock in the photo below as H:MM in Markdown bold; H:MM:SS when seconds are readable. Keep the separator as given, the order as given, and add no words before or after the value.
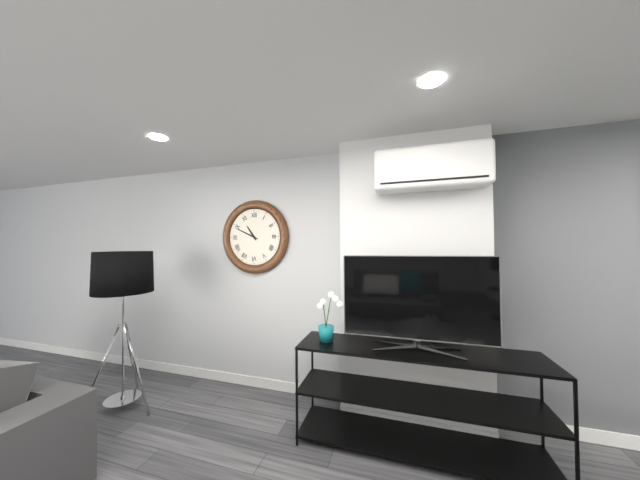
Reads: **10:49**
